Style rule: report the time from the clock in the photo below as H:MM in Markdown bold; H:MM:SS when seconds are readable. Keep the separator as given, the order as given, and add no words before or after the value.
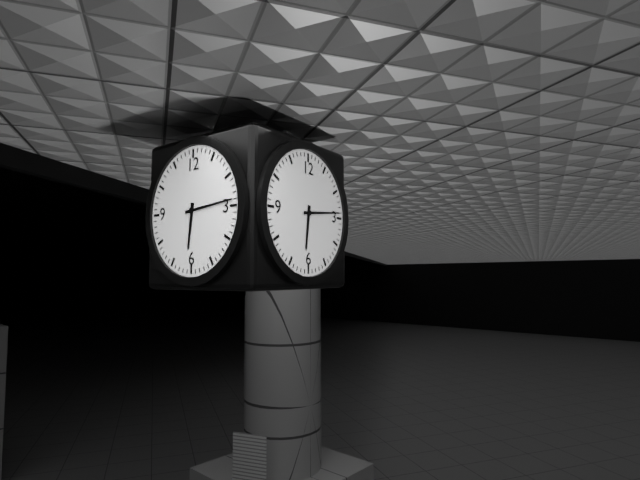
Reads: **6:14**
